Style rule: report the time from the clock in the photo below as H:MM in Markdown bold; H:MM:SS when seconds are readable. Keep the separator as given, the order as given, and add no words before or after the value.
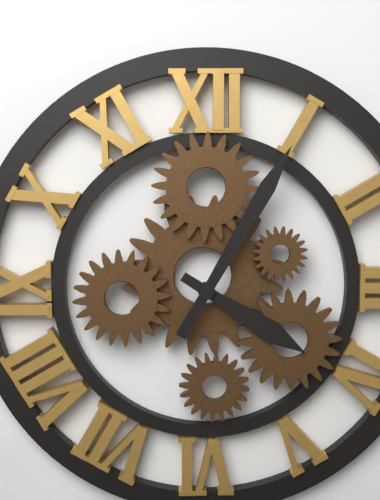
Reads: **4:05**
